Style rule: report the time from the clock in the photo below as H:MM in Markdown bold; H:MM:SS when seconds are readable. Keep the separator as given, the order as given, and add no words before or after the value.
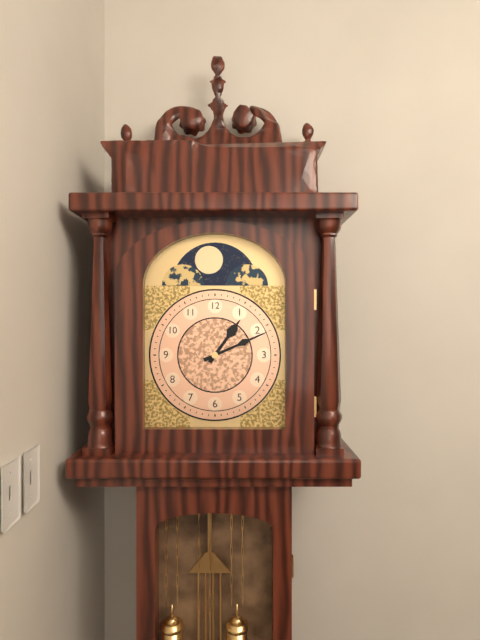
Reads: **1:11**
